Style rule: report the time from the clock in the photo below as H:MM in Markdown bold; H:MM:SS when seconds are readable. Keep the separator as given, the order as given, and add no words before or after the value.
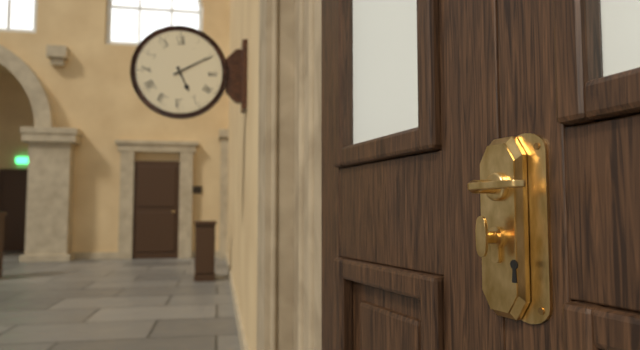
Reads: **5:10**
